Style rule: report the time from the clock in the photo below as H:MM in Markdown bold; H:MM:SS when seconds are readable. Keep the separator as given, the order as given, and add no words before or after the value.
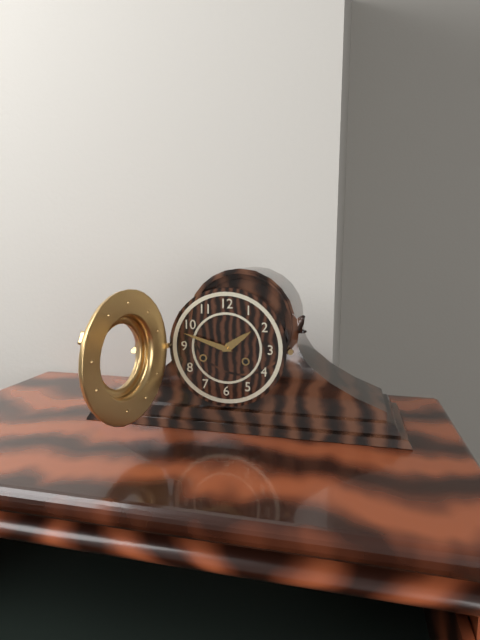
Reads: **1:48**
